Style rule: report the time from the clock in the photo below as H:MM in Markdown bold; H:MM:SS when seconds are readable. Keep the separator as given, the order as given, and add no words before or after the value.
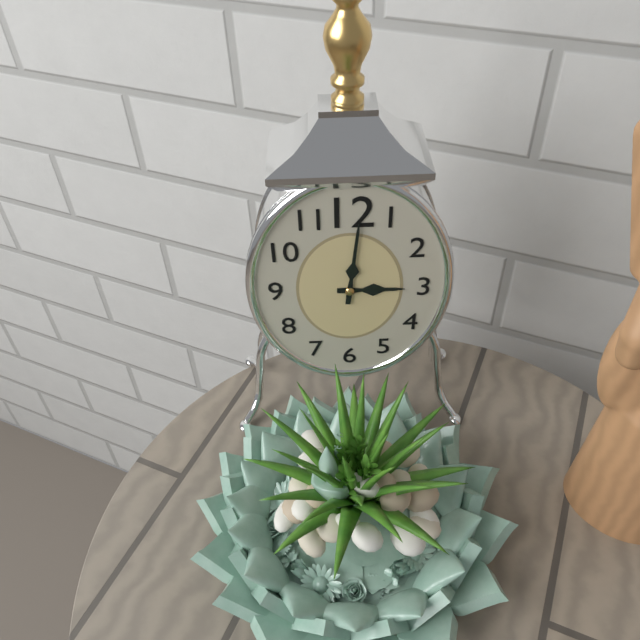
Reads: **3:01**
